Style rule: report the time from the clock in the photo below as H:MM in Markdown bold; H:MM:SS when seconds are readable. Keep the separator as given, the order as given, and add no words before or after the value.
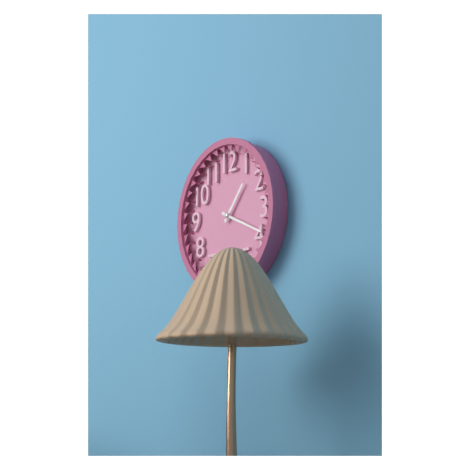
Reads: **1:19**
